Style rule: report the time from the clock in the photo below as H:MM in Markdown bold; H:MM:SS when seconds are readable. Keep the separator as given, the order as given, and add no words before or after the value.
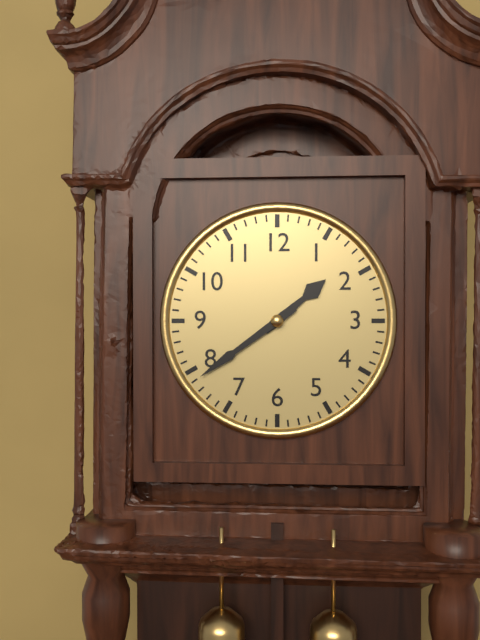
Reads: **1:39**
